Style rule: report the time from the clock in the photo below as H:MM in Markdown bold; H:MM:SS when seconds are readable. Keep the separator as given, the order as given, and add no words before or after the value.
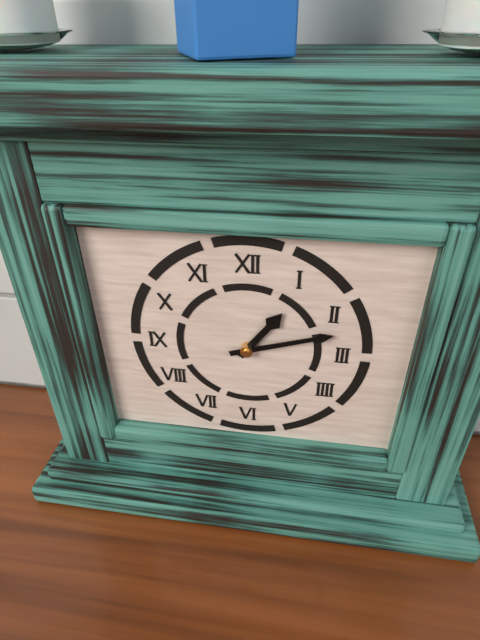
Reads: **1:12**
